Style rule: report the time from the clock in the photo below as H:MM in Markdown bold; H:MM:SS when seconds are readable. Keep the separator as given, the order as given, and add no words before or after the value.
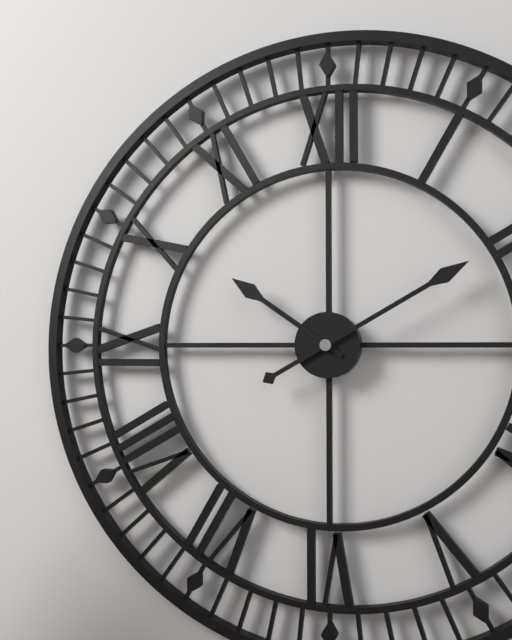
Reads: **10:10**
